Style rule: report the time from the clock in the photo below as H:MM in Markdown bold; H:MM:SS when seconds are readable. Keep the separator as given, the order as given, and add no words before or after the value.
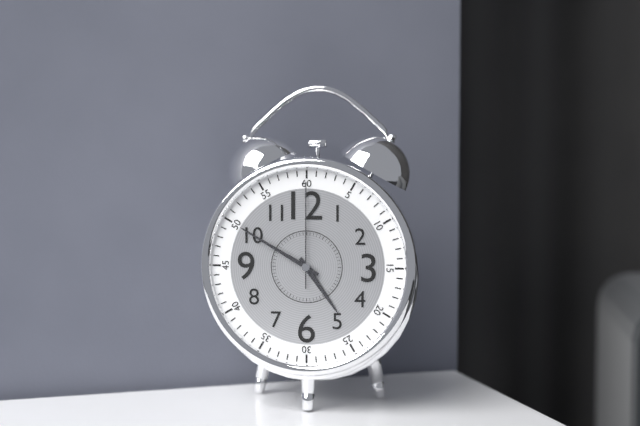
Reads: **4:50:00**
